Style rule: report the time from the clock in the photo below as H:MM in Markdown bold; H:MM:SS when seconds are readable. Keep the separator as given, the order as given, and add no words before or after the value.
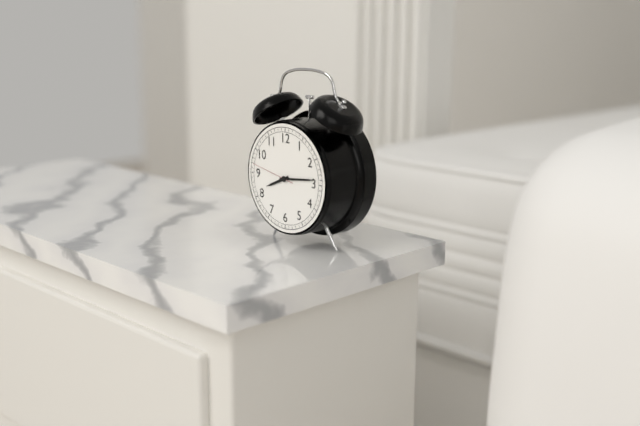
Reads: **8:14**
